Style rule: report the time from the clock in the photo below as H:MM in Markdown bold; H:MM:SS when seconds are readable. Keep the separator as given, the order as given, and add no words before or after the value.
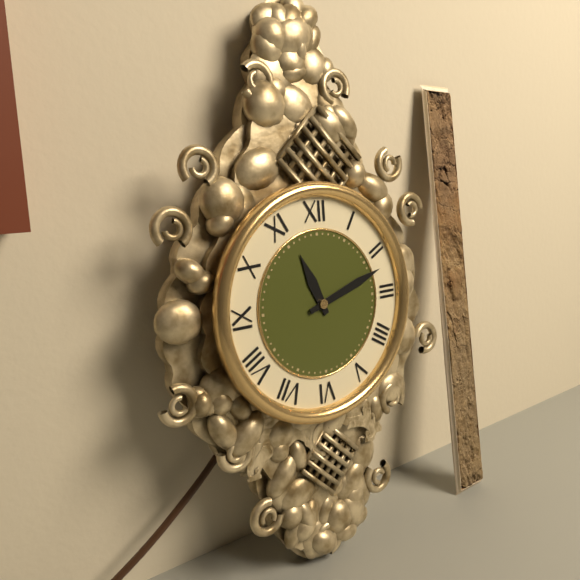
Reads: **11:12**
